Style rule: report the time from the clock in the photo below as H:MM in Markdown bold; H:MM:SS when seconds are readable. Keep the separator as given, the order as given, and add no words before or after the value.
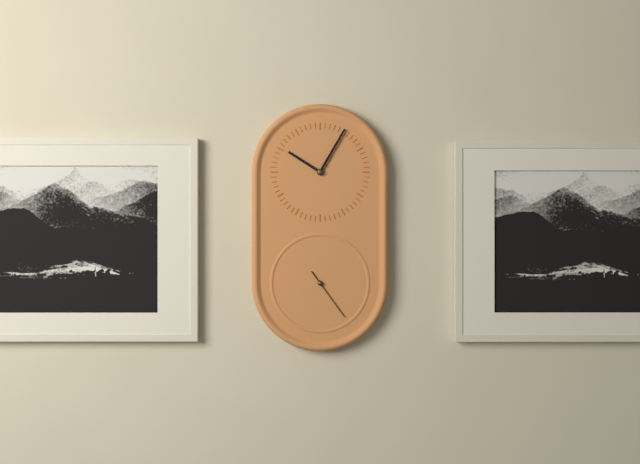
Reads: **10:05:24**
